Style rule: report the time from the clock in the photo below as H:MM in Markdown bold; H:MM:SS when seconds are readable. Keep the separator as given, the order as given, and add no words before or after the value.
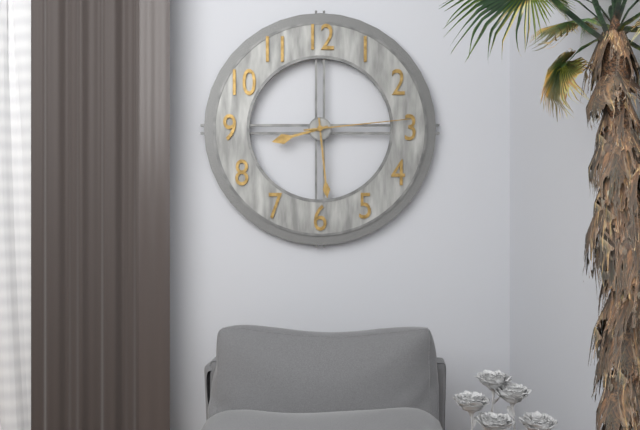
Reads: **8:29:14**
